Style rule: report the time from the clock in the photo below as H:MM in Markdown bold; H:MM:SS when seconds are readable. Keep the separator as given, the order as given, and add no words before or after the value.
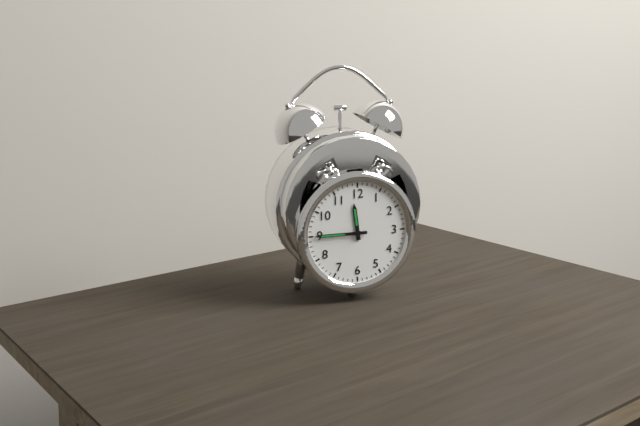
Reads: **11:45**
